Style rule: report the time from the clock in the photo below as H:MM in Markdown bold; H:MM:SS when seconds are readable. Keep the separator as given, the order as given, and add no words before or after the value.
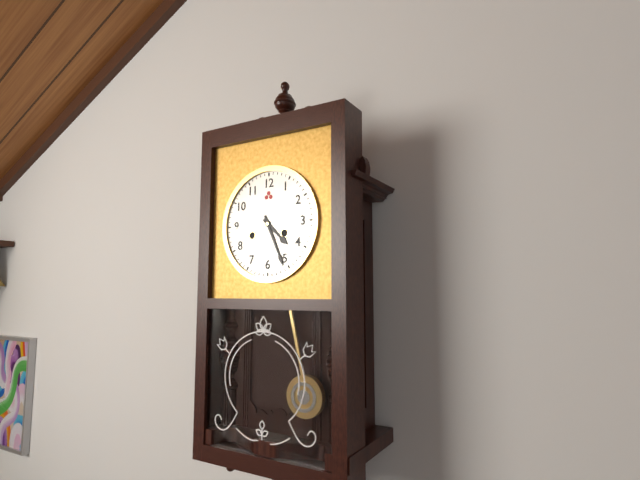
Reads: **4:26**
